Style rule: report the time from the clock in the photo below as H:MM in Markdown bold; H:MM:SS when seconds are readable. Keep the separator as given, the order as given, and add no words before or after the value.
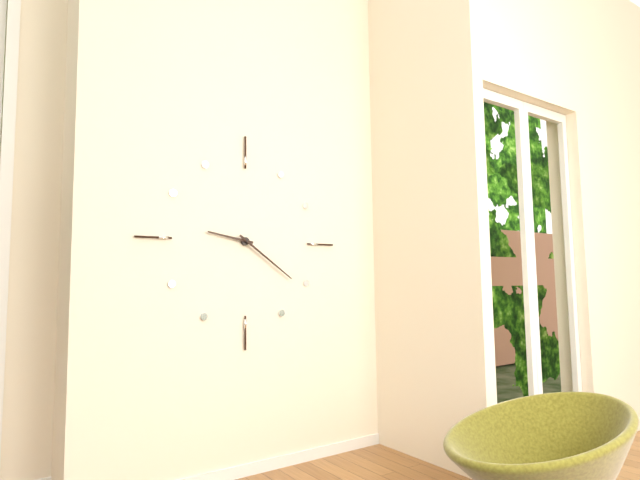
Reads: **9:21**
